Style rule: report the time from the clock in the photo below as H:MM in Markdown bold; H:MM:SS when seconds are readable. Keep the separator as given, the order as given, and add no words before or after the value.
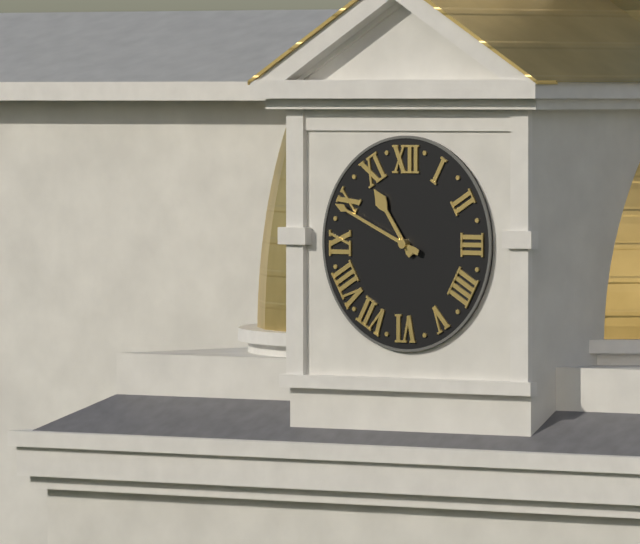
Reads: **10:49**
